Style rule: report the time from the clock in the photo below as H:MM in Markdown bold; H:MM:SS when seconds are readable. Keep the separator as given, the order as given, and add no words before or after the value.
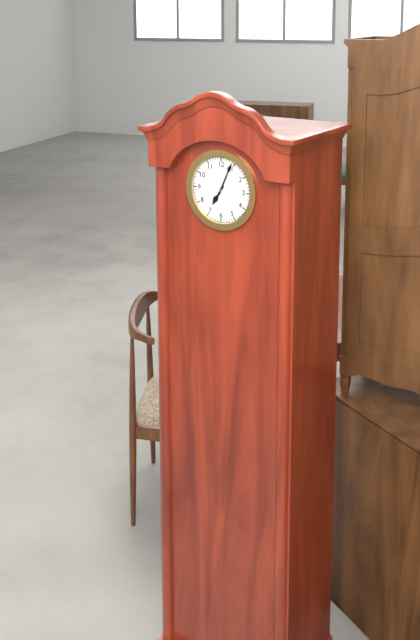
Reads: **7:04**
